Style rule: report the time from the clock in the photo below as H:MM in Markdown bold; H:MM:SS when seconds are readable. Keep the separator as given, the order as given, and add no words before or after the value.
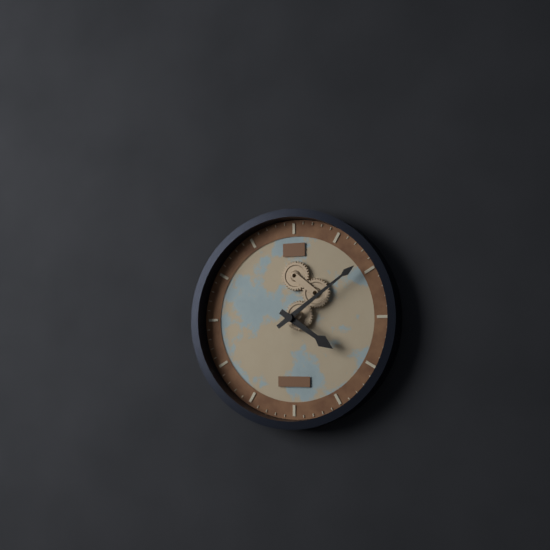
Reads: **4:09**
